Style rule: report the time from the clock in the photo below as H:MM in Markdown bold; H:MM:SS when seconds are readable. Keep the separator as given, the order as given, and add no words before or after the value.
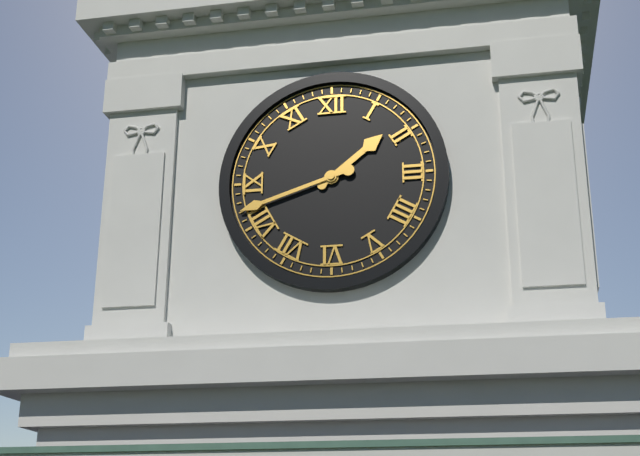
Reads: **1:42**
